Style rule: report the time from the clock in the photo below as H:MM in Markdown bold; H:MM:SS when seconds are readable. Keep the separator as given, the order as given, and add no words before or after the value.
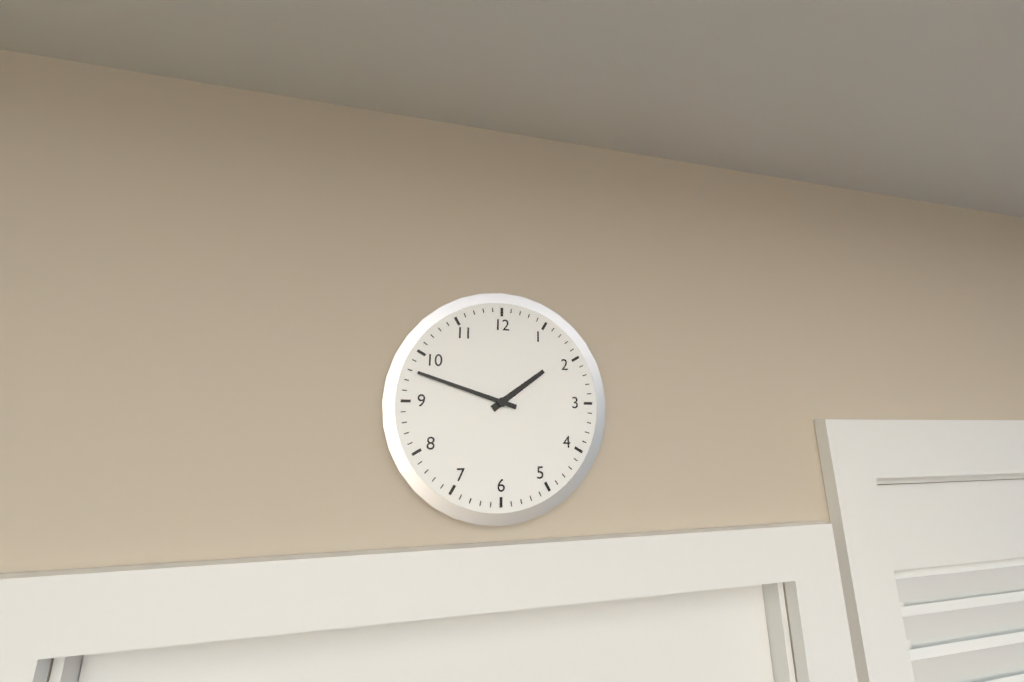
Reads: **1:48**
